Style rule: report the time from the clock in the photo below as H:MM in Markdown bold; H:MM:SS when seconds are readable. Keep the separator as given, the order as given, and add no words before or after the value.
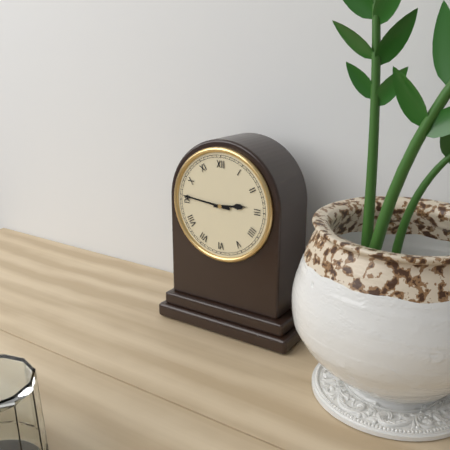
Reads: **2:46**
